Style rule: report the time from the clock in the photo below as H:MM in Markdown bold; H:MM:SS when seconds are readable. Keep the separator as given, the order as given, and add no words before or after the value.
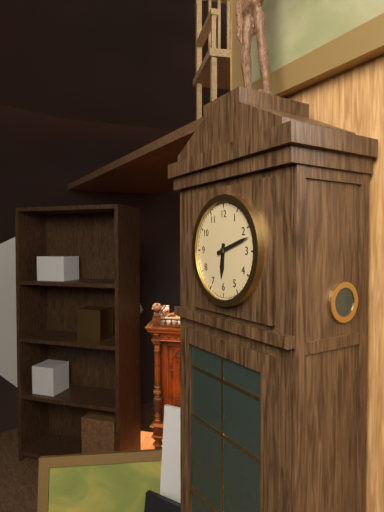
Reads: **6:12**
